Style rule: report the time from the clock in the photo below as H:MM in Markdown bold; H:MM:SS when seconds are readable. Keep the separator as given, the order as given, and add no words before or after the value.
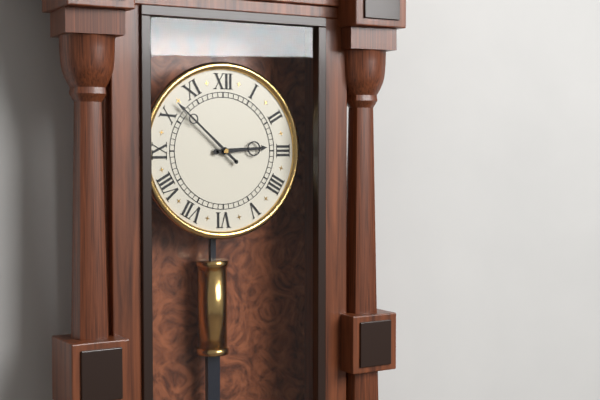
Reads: **2:52**
